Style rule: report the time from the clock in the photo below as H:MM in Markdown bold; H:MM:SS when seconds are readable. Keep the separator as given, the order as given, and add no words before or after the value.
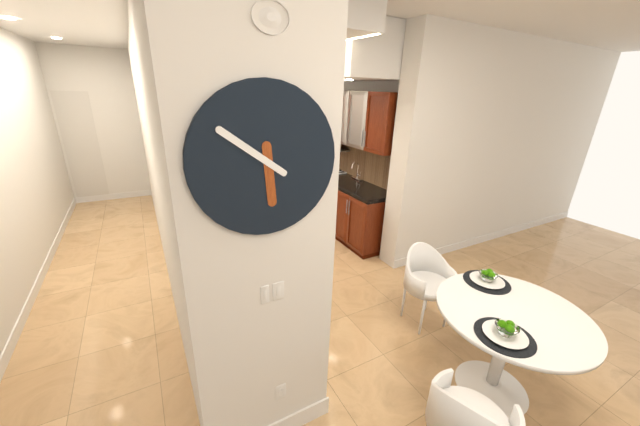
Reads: **5:51**
